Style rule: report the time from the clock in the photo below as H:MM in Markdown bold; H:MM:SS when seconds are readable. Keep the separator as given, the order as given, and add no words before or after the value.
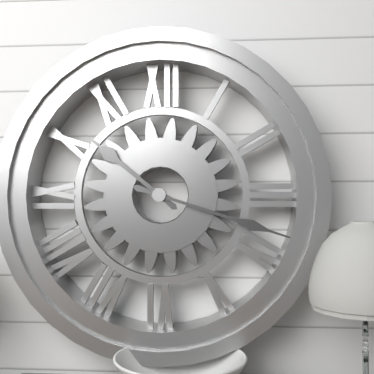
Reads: **10:18**
